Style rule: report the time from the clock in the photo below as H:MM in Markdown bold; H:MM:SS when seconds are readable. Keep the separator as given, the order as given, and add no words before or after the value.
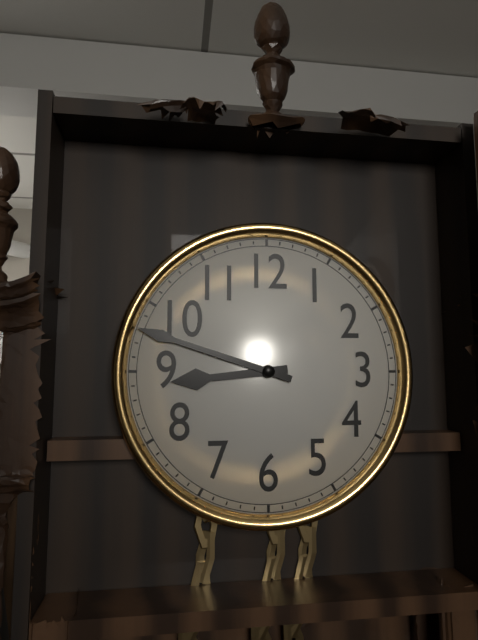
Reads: **8:48**
